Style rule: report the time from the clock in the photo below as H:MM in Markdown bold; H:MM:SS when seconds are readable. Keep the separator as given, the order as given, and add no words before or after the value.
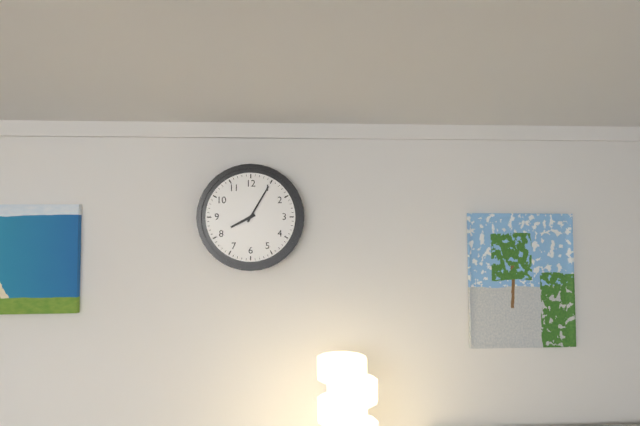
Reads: **8:05**
